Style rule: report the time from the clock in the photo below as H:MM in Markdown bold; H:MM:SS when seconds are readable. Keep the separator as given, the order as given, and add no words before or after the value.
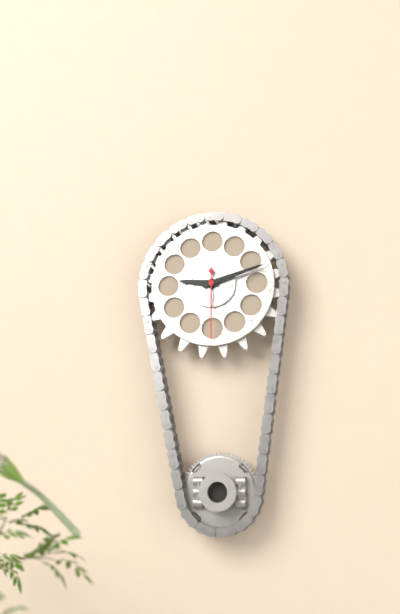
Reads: **9:12:30**
